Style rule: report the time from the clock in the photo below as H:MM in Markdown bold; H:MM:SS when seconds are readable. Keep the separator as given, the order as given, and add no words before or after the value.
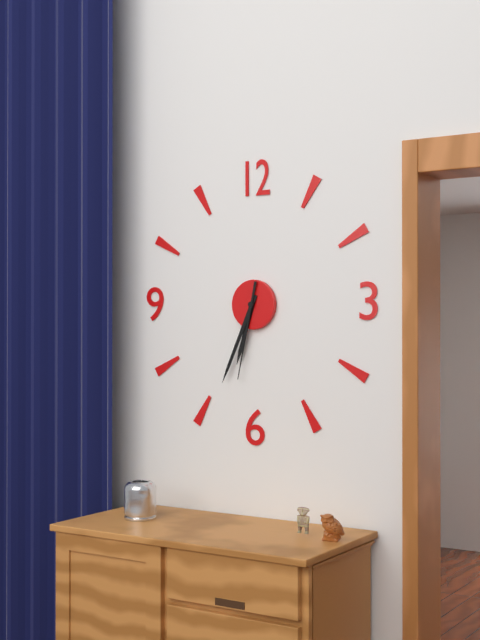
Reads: **6:34:32**
